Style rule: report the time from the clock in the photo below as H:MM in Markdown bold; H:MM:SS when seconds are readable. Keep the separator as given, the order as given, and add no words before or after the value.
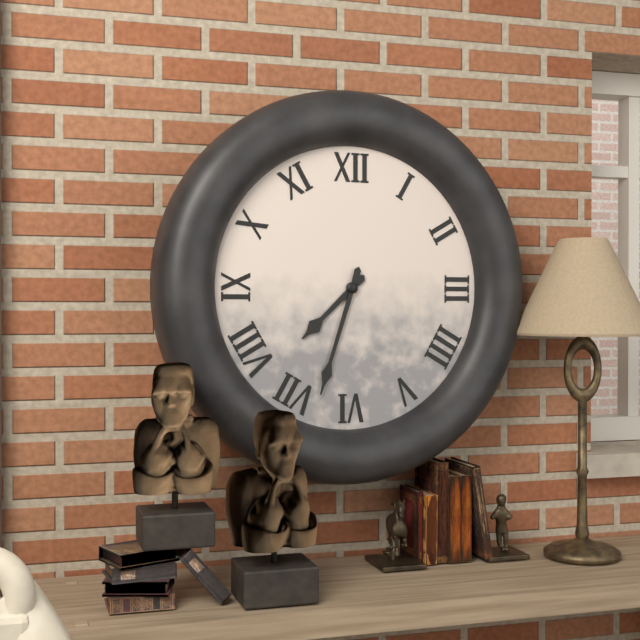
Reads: **7:33**
